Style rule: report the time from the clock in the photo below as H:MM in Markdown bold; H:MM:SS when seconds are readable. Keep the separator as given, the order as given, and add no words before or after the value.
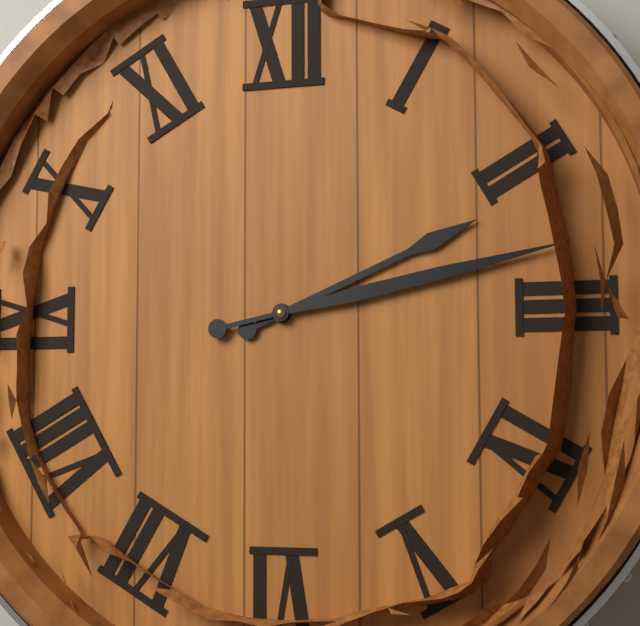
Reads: **2:13**
